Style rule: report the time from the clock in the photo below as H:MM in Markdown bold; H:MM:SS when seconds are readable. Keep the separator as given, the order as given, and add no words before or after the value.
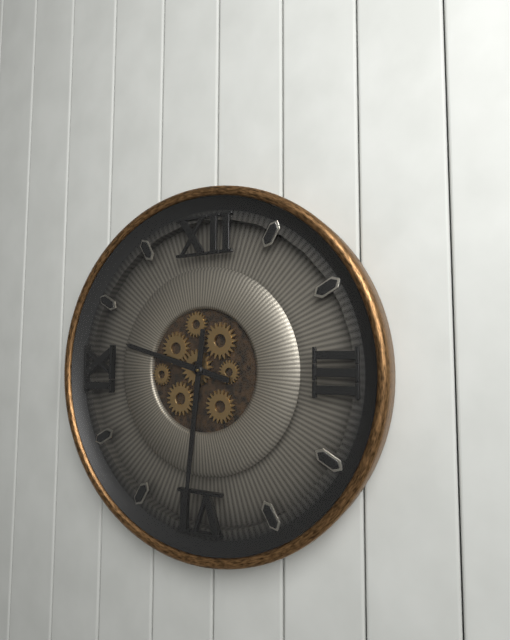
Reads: **9:31**
